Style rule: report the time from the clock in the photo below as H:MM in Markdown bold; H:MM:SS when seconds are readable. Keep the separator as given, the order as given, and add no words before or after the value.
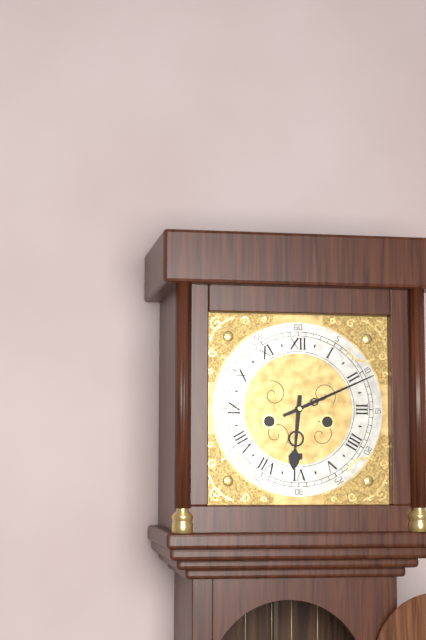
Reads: **6:11**
